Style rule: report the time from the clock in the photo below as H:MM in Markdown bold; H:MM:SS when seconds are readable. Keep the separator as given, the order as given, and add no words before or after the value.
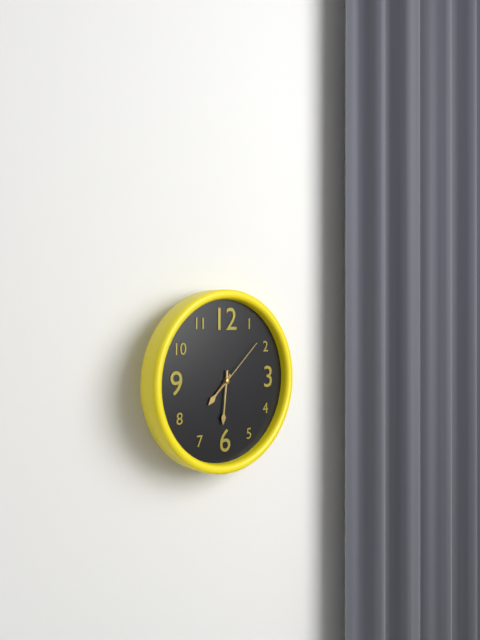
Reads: **7:31:08**
